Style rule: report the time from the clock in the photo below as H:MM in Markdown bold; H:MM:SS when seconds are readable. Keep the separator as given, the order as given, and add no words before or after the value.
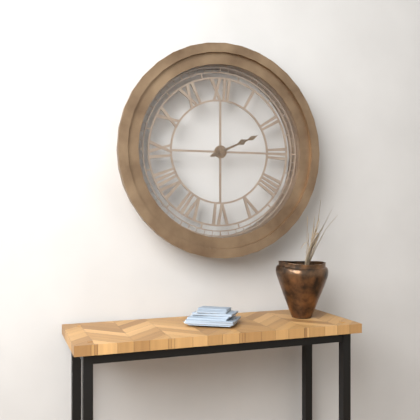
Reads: **2:11**
